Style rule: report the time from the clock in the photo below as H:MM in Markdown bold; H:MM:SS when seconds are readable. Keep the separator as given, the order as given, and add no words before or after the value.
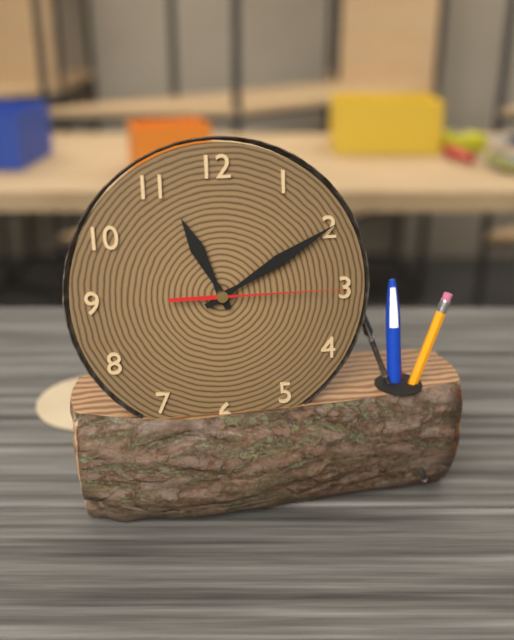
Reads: **11:10:15**
